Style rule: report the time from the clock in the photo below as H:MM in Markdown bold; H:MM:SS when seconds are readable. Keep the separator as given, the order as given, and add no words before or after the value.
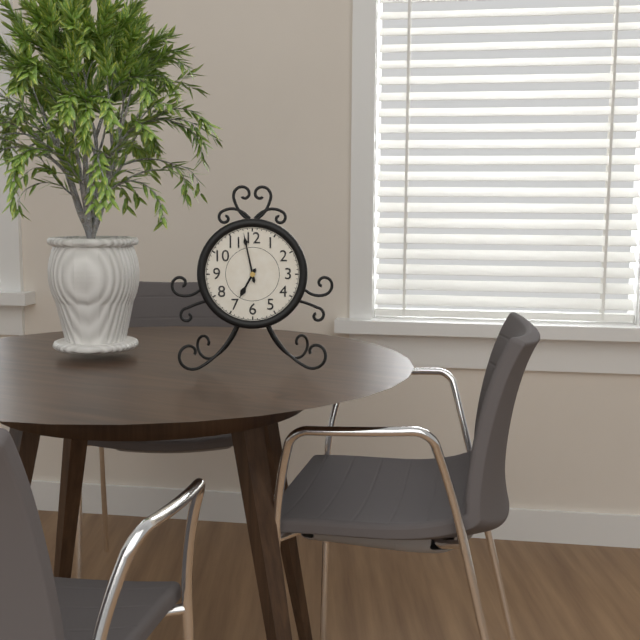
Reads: **6:58**
